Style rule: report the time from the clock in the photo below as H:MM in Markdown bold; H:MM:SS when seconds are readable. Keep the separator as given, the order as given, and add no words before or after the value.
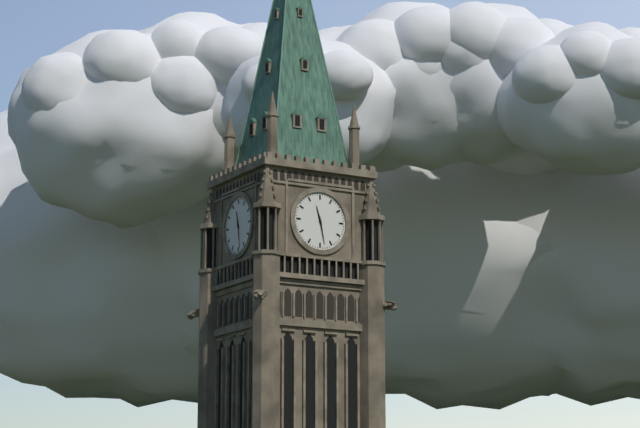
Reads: **11:28**
